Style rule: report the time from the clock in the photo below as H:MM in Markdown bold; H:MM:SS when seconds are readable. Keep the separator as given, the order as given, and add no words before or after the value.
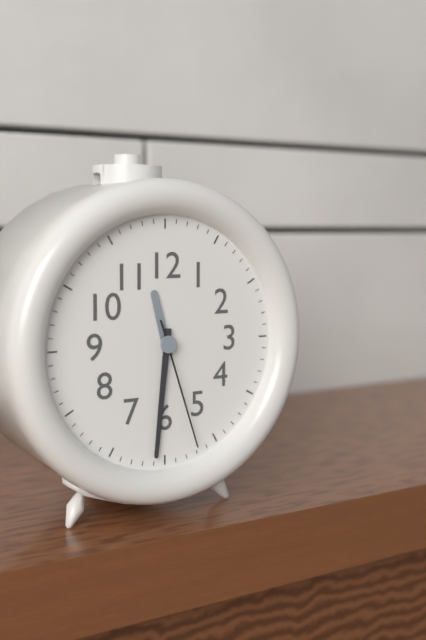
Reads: **11:31:27**
